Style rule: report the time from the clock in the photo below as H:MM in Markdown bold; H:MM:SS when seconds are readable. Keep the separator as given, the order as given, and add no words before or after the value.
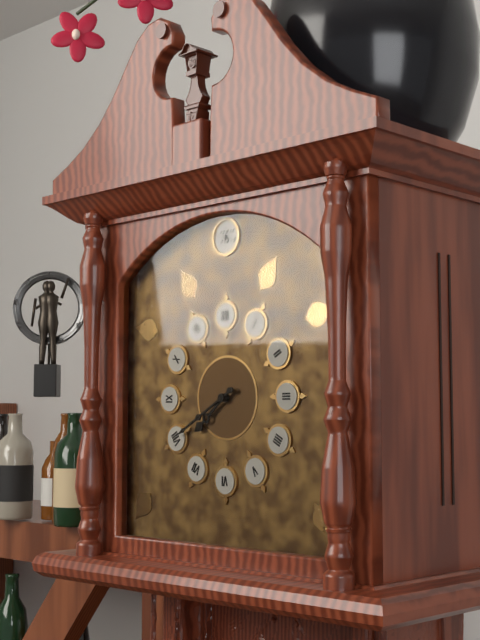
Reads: **7:40**
